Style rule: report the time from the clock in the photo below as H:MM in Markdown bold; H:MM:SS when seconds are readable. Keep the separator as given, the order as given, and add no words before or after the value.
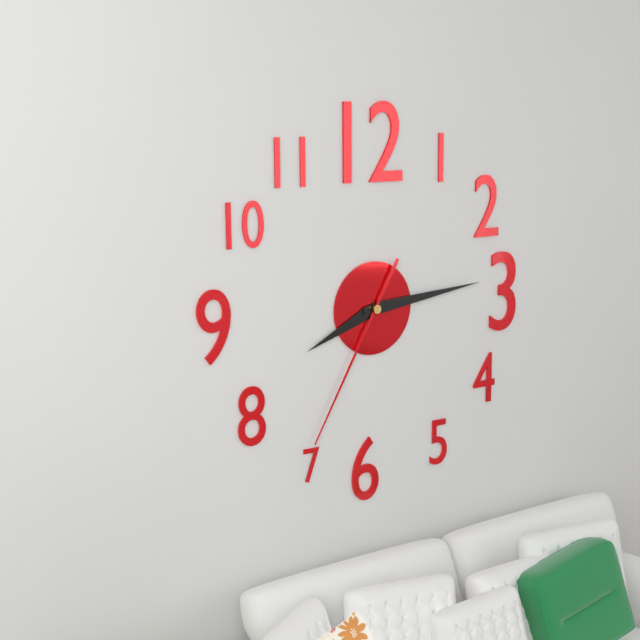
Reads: **8:14:35**
